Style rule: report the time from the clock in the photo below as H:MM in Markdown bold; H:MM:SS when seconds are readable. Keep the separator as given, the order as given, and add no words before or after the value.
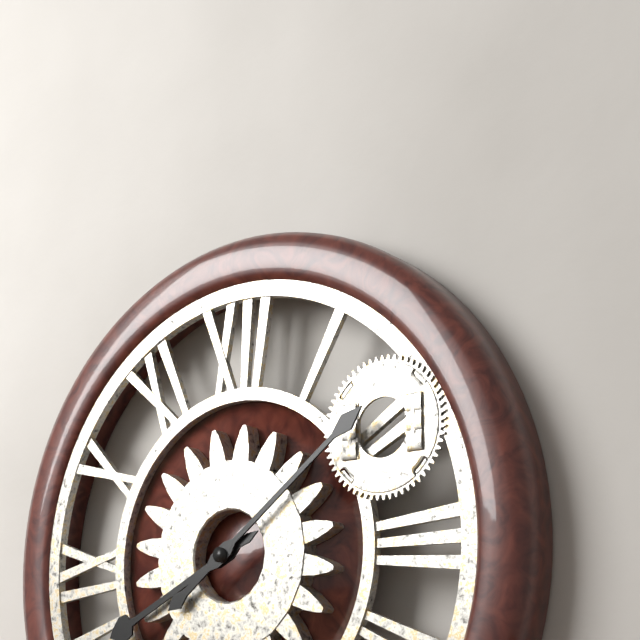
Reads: **8:09**
